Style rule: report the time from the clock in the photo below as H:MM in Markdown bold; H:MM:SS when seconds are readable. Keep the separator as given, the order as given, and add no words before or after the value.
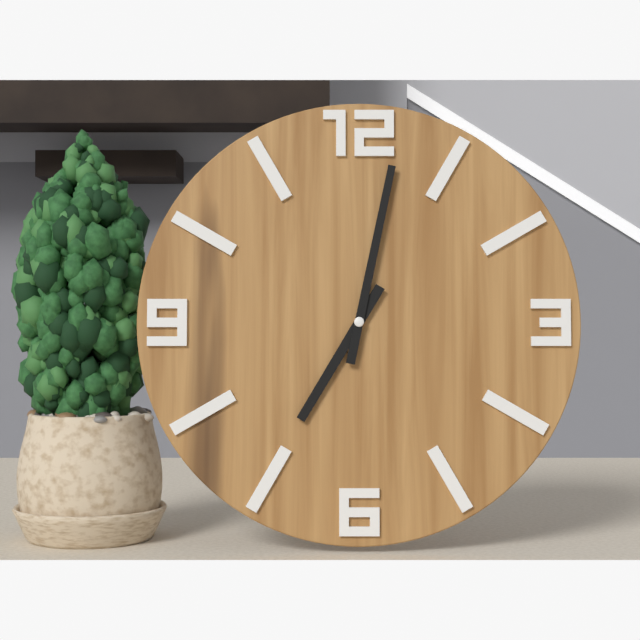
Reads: **7:02**
